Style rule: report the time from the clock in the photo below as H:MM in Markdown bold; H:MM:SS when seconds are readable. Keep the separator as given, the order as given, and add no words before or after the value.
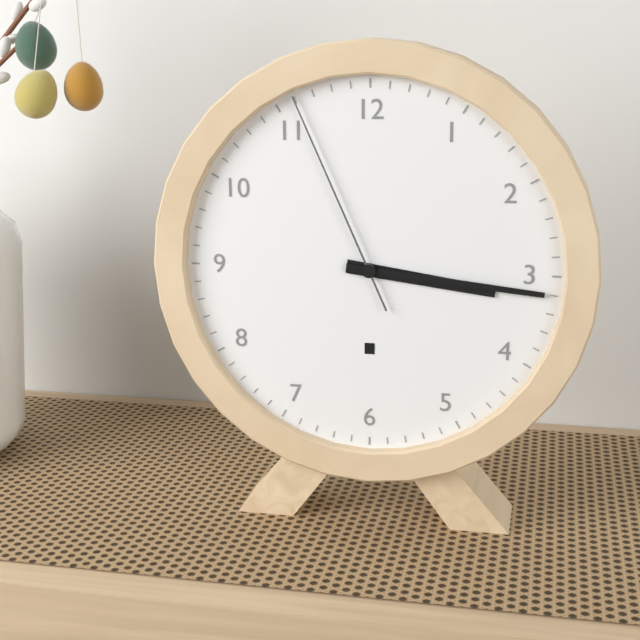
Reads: **3:16:56**
